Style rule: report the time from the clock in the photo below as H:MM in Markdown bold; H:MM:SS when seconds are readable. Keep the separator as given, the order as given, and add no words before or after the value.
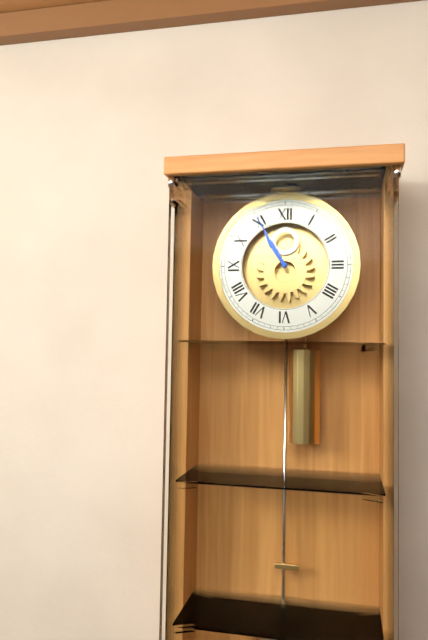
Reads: **10:55**
